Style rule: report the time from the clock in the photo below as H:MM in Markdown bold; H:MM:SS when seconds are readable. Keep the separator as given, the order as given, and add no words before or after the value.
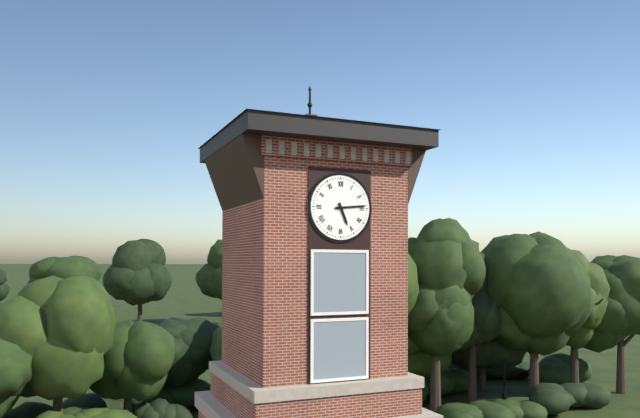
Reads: **5:14**
